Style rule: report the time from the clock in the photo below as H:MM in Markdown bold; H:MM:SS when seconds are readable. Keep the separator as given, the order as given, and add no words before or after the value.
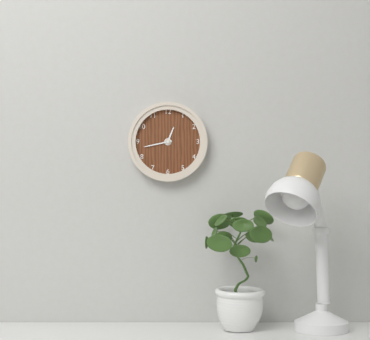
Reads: **12:43**
